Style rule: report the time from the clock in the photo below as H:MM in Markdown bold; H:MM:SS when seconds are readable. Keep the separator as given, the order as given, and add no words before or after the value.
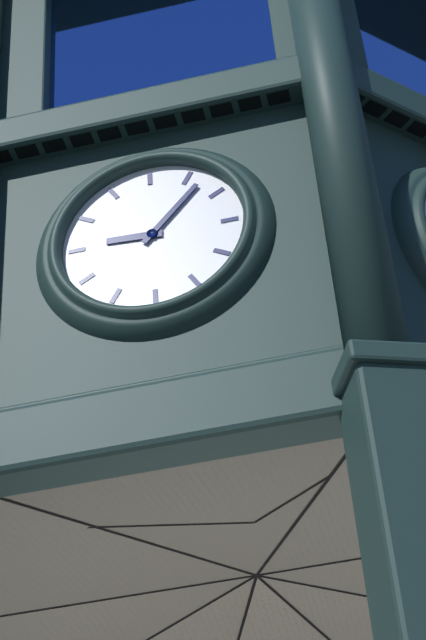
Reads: **9:07**
